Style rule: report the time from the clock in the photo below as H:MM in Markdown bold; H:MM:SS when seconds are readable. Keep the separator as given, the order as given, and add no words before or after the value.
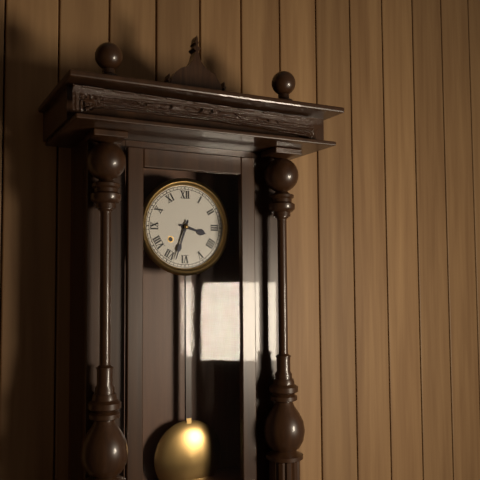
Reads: **3:33**
